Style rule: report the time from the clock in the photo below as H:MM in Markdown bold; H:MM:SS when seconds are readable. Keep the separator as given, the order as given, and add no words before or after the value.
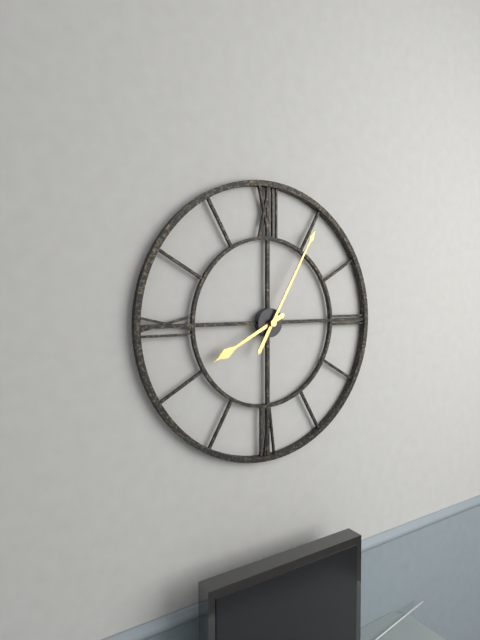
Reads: **8:05**
